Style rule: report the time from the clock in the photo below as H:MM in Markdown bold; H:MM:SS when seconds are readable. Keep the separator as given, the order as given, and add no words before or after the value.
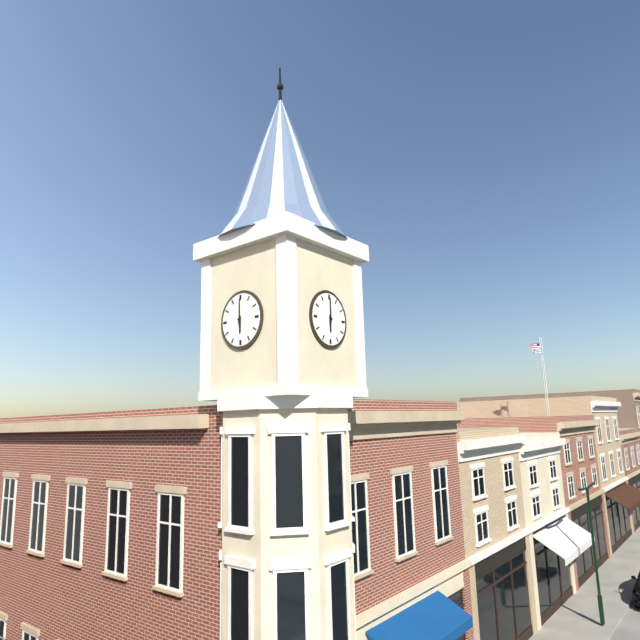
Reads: **6:00**
